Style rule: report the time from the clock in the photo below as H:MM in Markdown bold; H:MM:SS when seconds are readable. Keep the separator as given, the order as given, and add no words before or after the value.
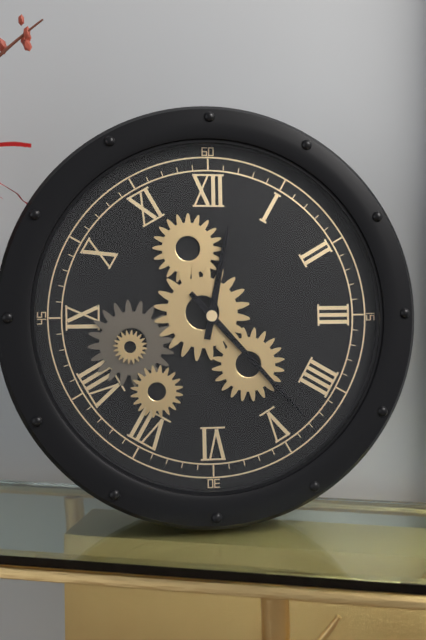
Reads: **12:23**
